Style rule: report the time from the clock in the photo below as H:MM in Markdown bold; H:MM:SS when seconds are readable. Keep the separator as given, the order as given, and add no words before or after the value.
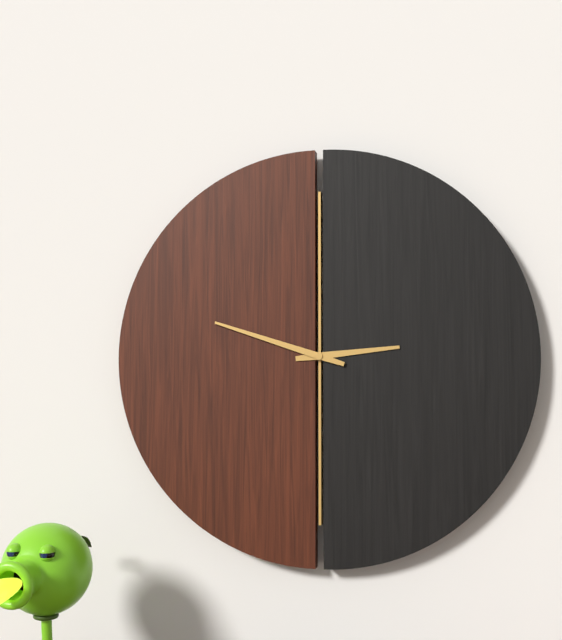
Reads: **2:48**
